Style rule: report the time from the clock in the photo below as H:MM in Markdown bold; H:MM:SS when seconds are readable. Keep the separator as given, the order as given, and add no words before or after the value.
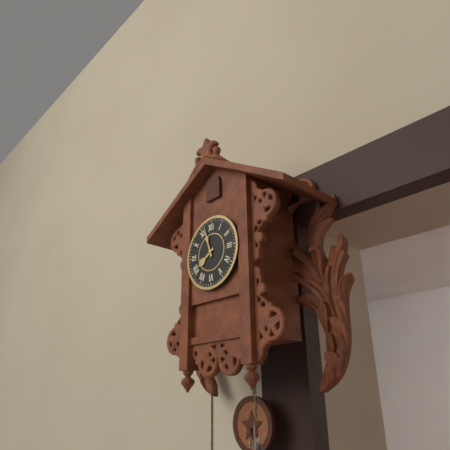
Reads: **7:57**
